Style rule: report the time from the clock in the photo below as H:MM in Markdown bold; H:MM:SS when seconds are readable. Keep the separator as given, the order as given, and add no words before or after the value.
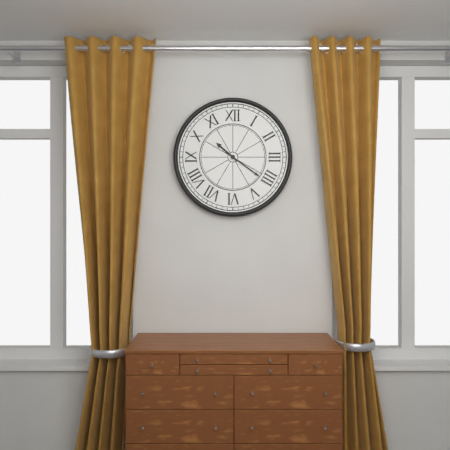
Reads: **10:21**
